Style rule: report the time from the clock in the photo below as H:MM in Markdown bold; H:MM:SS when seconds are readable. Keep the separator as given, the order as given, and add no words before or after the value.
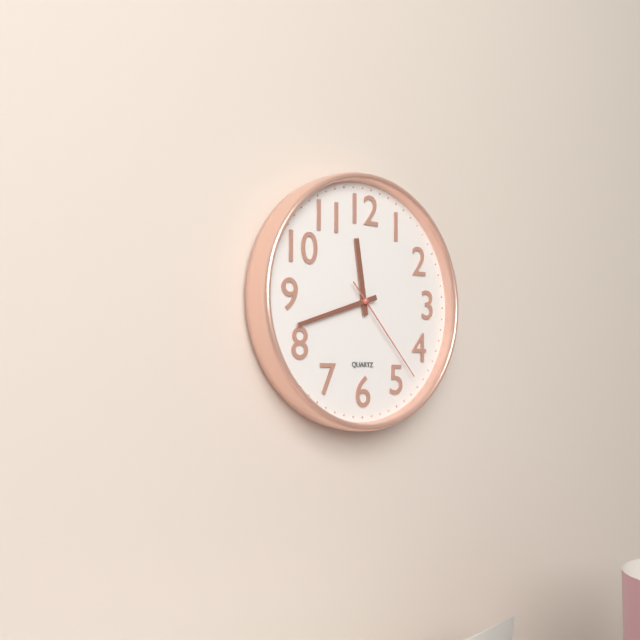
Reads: **11:42:23**
